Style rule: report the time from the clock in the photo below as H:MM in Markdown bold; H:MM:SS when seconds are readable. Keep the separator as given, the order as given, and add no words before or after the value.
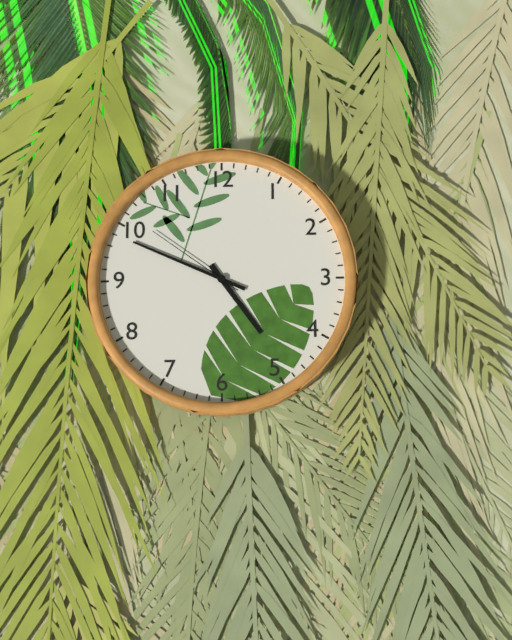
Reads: **4:49:51**
